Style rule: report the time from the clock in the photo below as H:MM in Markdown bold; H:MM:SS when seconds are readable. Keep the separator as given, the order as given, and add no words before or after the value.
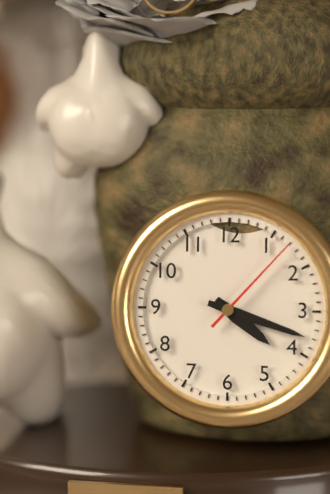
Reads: **4:18:07**
